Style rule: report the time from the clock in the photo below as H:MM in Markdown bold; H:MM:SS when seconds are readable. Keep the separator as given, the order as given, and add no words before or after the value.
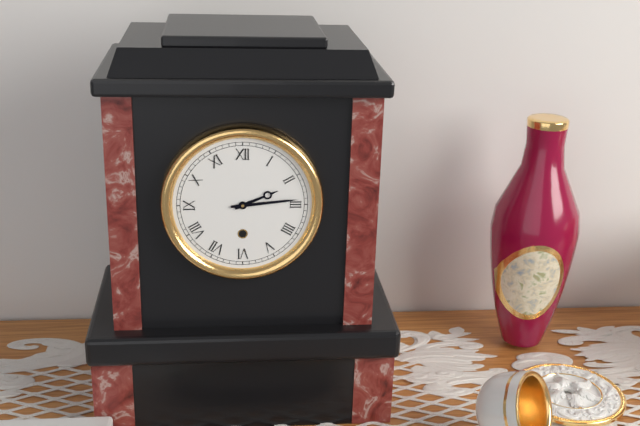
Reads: **2:14**
